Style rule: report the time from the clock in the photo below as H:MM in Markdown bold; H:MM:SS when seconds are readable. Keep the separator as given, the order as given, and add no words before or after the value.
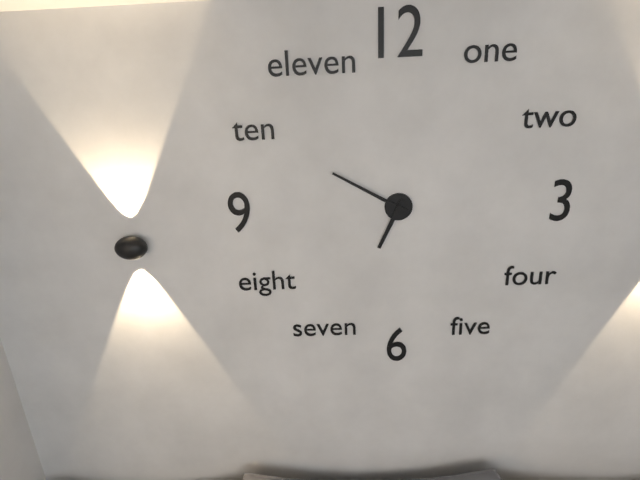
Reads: **6:50**
